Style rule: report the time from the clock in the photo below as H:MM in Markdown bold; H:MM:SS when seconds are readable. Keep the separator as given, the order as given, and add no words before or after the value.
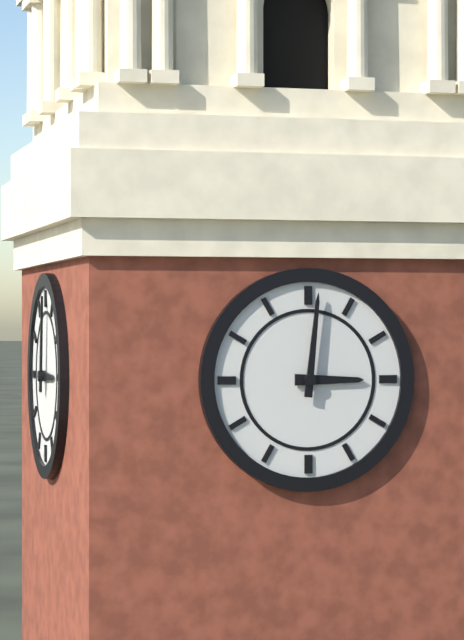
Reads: **3:01**
